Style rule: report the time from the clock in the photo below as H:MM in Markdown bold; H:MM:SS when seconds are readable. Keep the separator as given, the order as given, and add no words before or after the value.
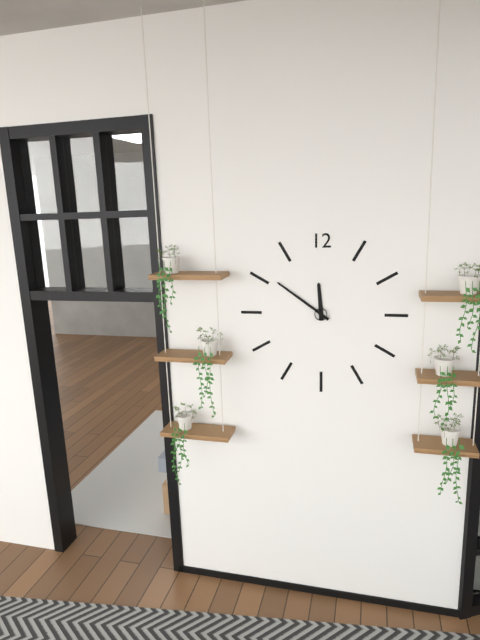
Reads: **11:51**
